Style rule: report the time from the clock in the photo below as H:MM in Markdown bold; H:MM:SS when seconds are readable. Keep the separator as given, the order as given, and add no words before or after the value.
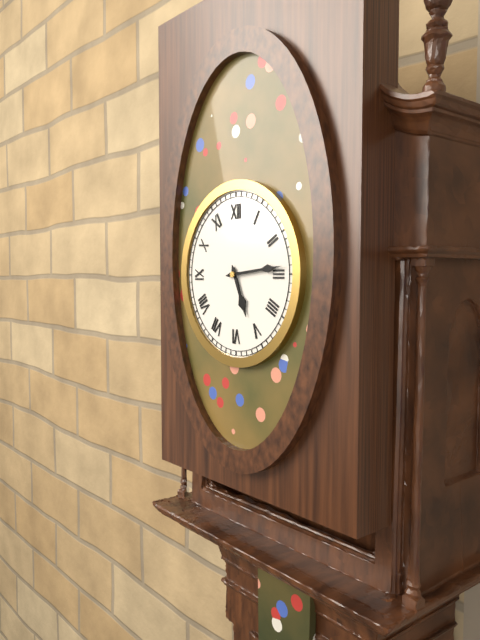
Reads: **5:14**
